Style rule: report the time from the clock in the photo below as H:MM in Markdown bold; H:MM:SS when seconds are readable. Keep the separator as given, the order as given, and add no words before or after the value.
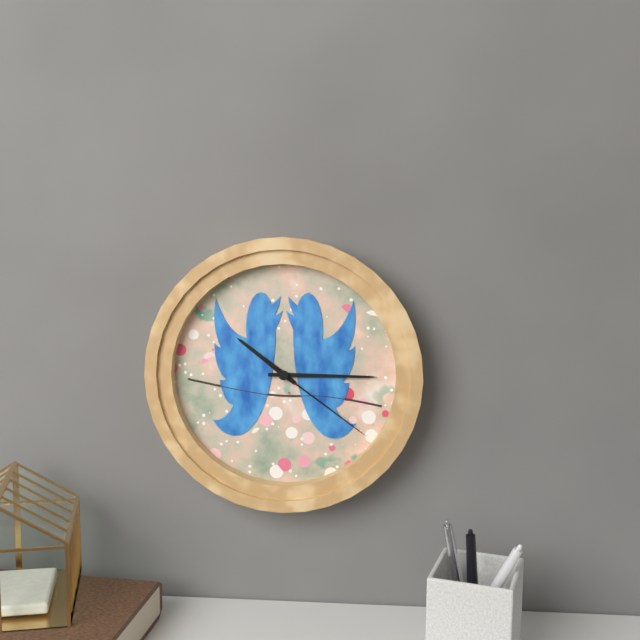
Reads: **10:15:21**
